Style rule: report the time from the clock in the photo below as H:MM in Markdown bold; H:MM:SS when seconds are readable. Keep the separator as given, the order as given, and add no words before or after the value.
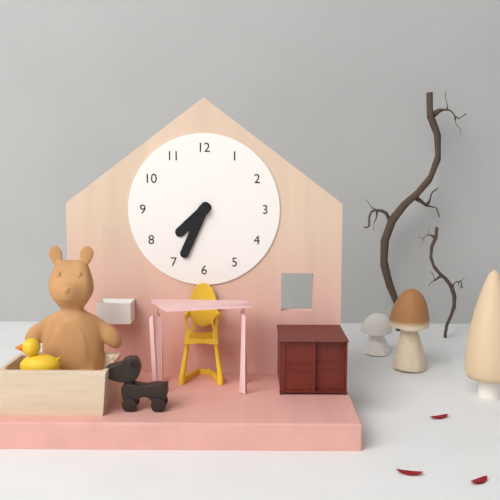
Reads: **7:34**
